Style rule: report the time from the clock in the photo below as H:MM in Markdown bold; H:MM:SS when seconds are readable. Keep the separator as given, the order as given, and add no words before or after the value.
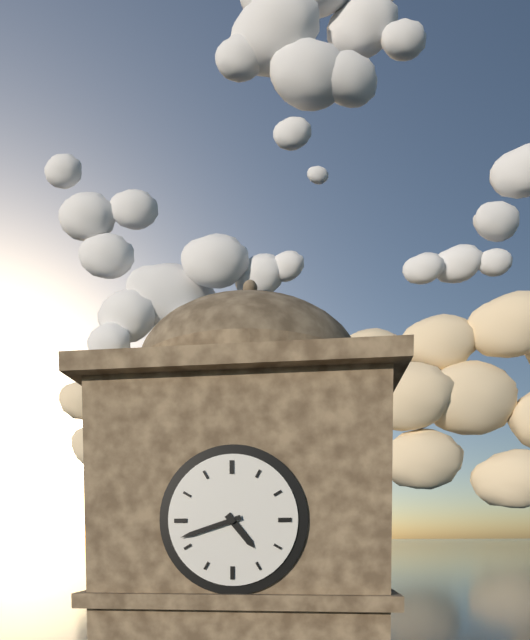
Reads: **4:42**
